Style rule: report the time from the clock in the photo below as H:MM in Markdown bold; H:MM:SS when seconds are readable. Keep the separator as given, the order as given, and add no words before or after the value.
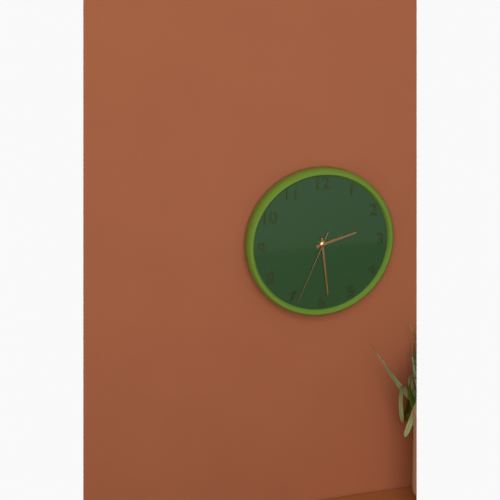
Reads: **2:29:34**
